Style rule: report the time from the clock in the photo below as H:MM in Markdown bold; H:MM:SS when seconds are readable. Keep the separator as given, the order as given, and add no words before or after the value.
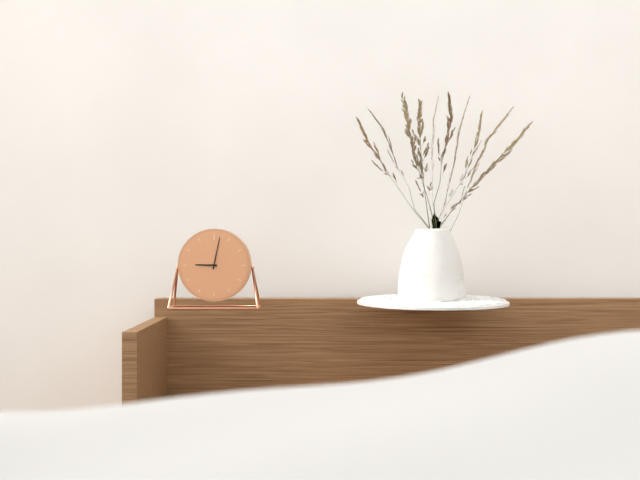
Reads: **9:02**
